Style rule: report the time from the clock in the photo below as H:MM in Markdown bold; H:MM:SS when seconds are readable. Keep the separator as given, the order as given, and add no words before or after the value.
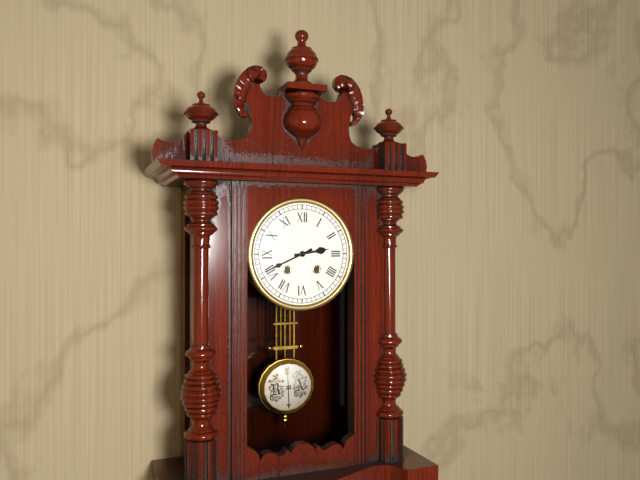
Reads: **2:41**
